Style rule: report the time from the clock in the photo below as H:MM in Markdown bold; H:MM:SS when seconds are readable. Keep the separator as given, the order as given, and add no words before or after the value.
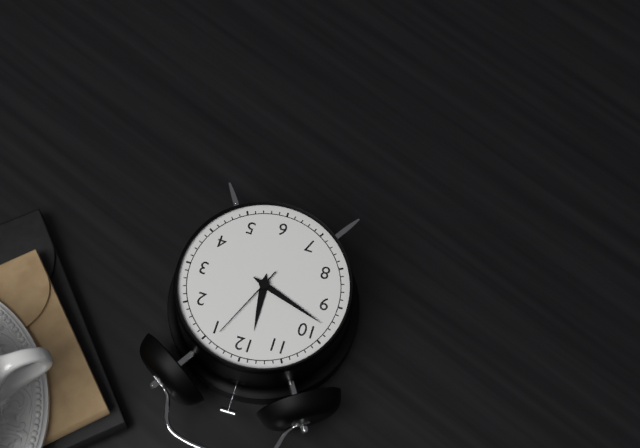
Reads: **11:48:04**
